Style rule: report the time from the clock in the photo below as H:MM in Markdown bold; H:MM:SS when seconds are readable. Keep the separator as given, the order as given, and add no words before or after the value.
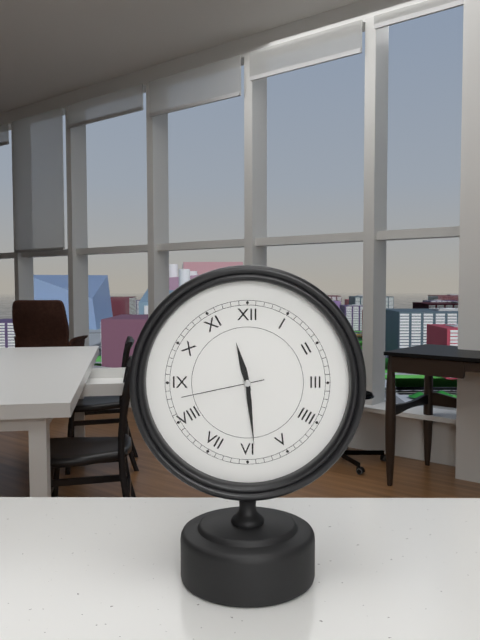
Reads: **11:29:43**
